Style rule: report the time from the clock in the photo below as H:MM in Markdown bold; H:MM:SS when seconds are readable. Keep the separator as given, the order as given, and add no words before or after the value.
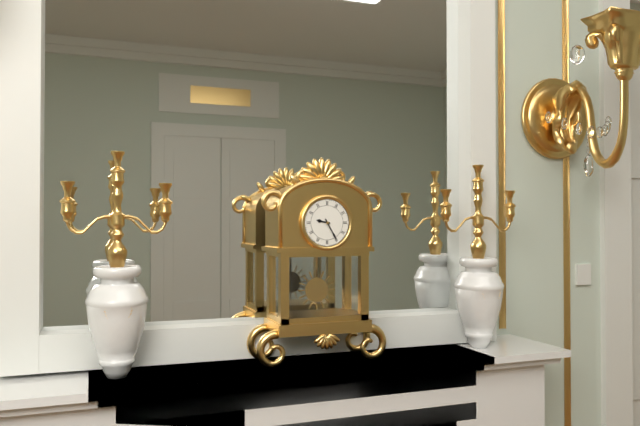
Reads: **9:25**
